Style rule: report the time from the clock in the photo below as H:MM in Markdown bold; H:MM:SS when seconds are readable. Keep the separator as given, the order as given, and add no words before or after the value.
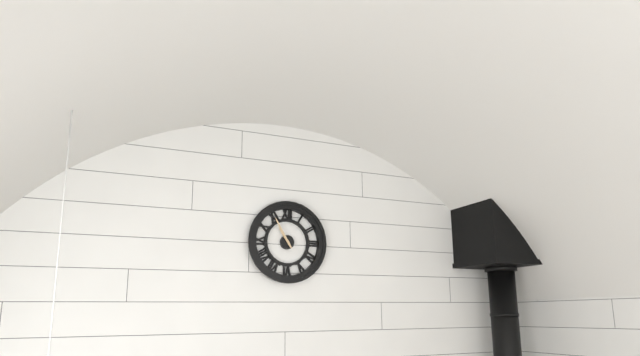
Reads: **10:55**
